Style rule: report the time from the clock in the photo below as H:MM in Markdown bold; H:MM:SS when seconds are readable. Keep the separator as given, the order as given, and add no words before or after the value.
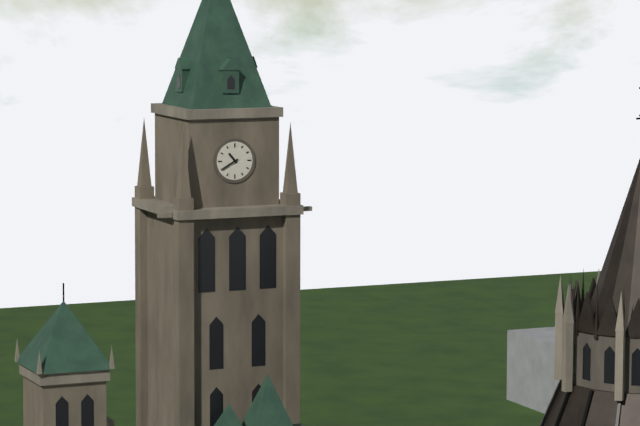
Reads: **10:40**
